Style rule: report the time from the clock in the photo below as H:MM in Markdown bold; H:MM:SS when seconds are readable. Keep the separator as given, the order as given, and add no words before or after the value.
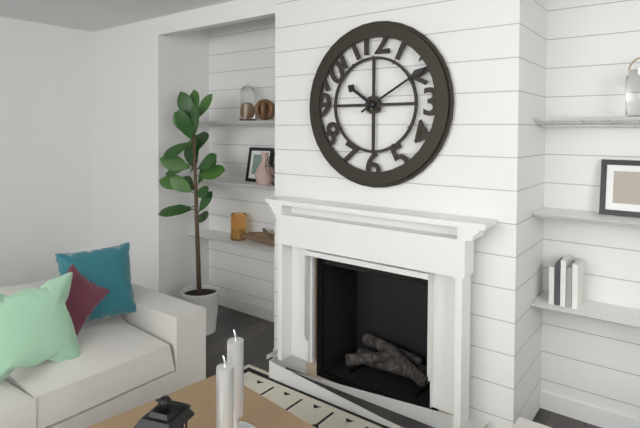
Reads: **10:10**
